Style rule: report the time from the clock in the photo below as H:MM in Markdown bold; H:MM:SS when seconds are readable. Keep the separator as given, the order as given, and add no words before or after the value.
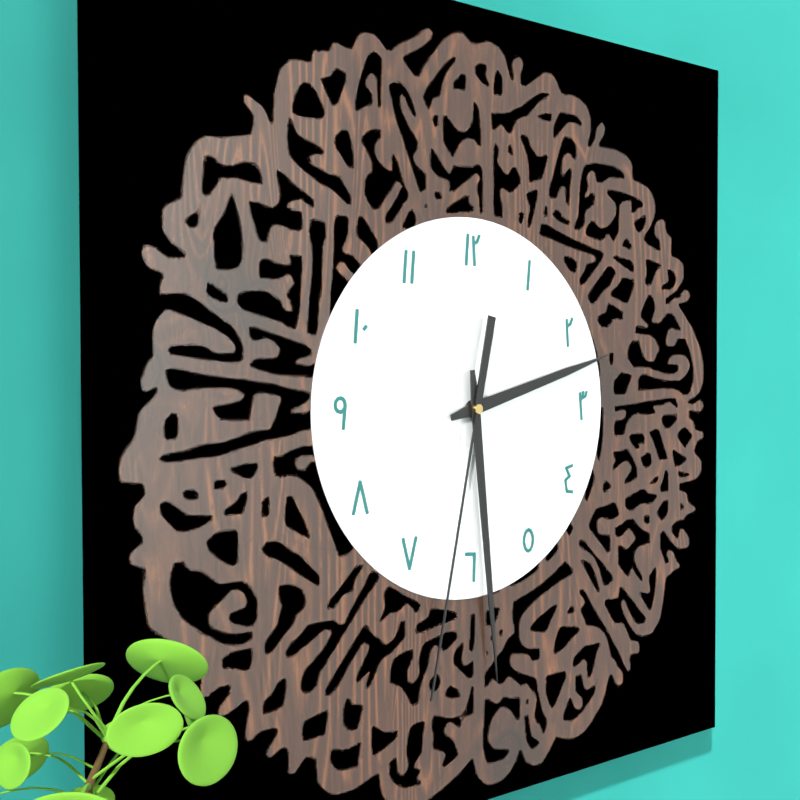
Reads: **2:29:32**
